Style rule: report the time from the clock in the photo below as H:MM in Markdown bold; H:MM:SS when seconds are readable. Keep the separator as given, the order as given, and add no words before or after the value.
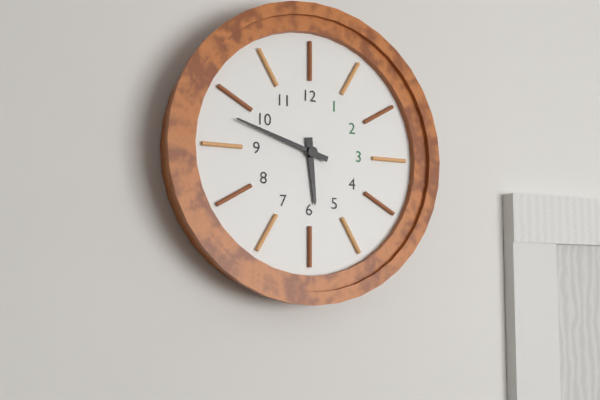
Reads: **5:48**
